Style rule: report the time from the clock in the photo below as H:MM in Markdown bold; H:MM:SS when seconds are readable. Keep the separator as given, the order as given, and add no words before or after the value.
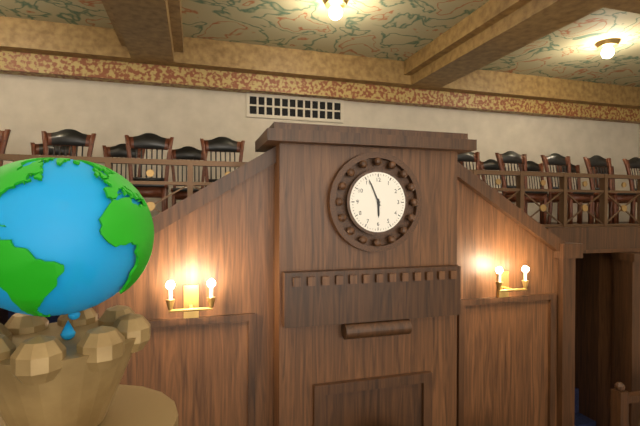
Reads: **5:56**
